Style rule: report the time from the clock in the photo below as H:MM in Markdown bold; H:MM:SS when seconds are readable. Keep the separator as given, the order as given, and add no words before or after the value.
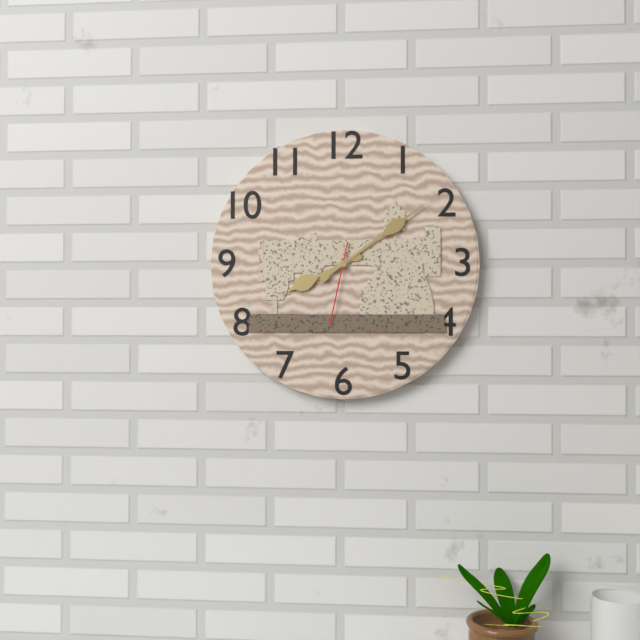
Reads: **8:09:32**
